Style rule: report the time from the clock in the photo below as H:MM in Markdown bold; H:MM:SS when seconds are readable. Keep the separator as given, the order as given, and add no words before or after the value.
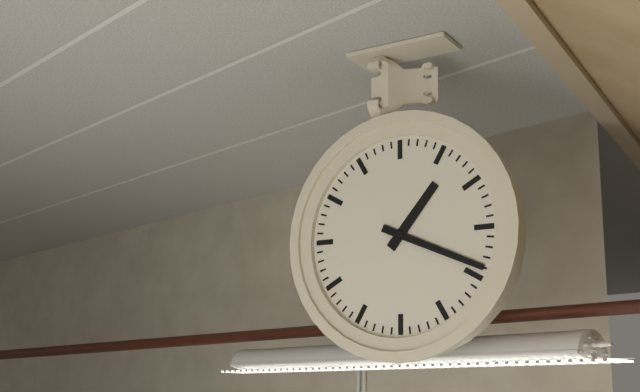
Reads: **1:19**
